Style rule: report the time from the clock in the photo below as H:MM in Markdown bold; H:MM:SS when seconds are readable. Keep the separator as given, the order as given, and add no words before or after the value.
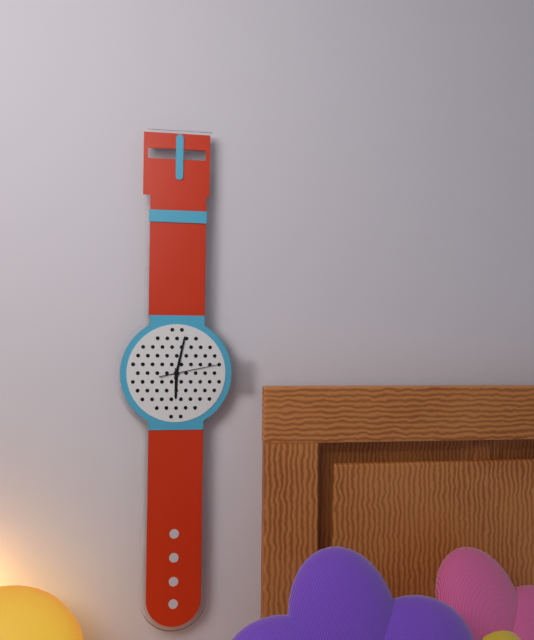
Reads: **6:02:13**
